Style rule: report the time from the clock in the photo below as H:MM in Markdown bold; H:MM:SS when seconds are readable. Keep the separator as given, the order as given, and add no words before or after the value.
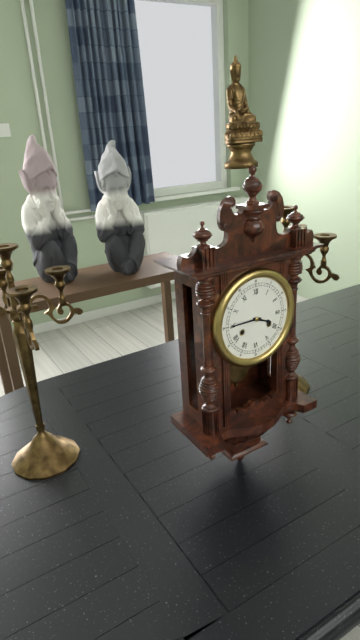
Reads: **3:45**
